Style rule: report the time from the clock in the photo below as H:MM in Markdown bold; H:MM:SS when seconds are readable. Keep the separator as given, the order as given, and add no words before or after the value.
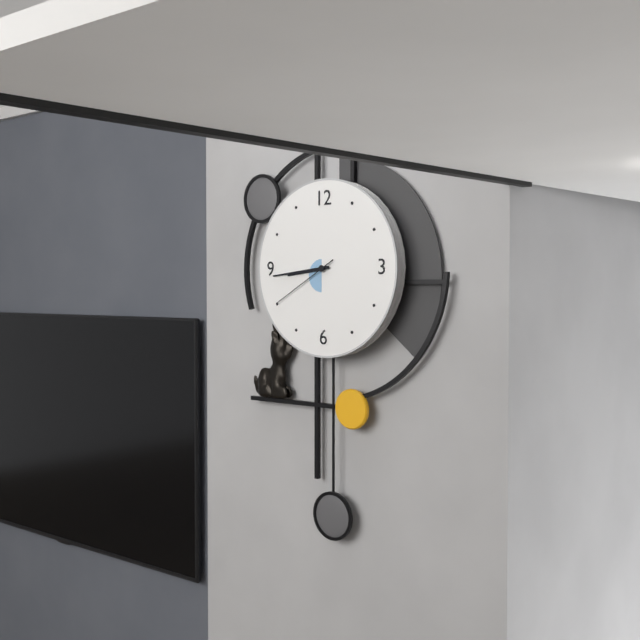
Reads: **8:44:40**
